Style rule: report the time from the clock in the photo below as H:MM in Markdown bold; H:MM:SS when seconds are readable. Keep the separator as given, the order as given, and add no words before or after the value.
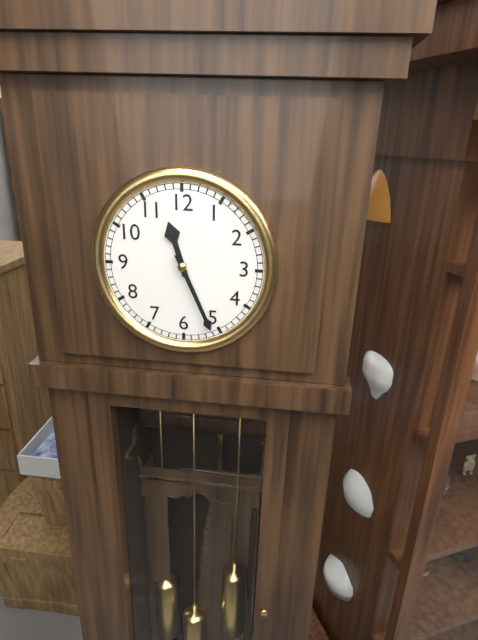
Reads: **11:26**
